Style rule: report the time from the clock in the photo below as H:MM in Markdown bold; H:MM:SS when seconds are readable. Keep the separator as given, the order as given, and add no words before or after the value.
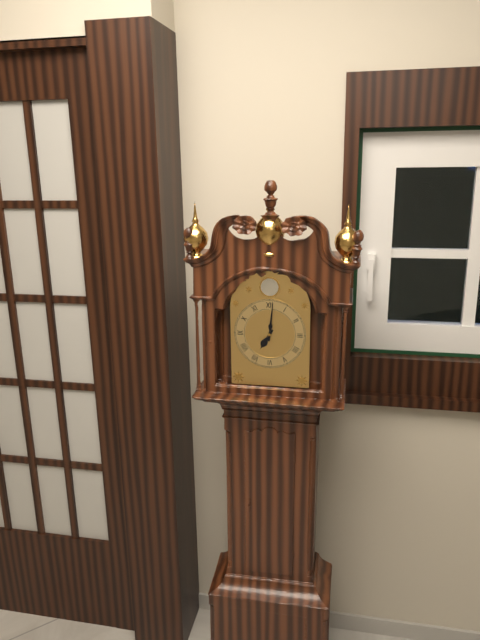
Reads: **7:01**
